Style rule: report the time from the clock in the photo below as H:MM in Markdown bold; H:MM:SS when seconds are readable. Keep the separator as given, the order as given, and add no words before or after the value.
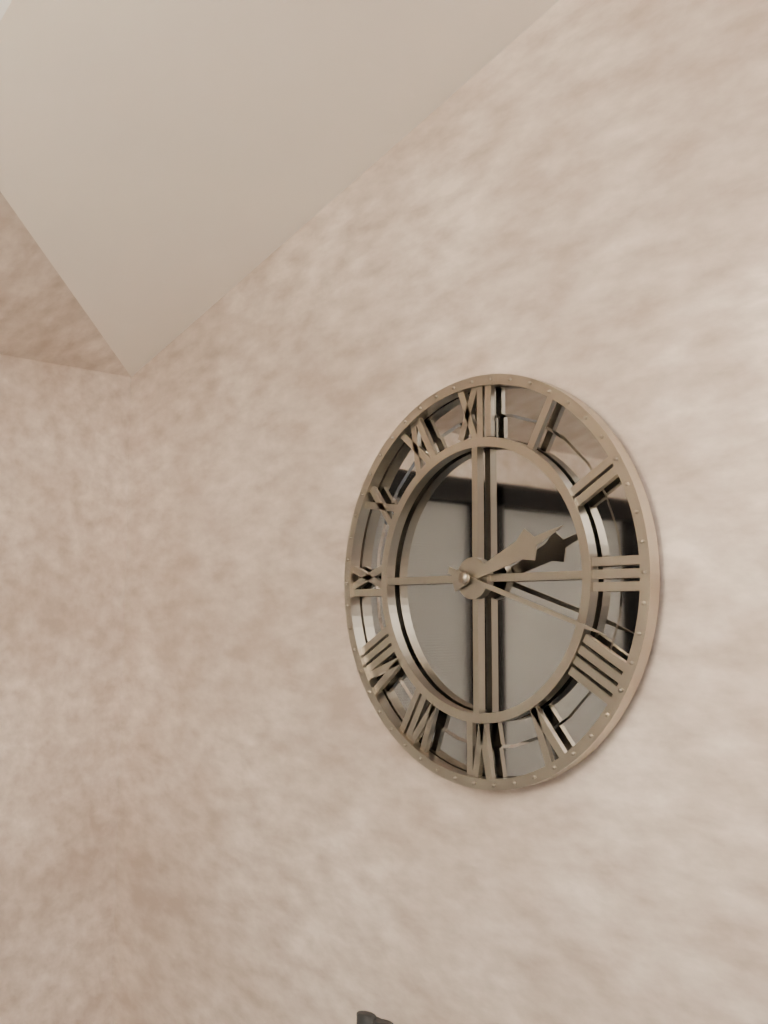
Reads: **2:18**
